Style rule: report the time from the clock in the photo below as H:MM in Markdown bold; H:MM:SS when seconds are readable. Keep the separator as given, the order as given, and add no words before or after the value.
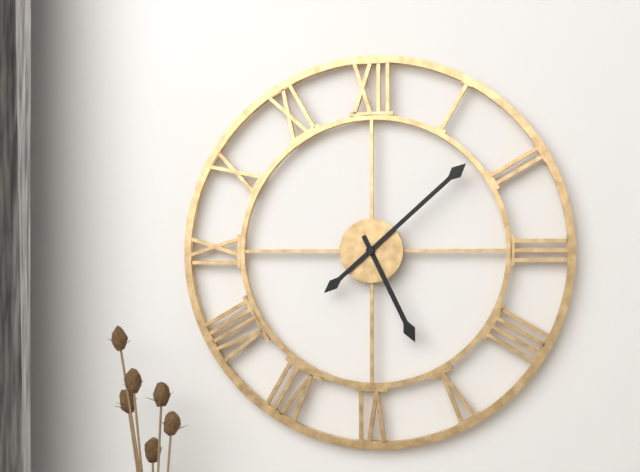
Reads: **5:08**
